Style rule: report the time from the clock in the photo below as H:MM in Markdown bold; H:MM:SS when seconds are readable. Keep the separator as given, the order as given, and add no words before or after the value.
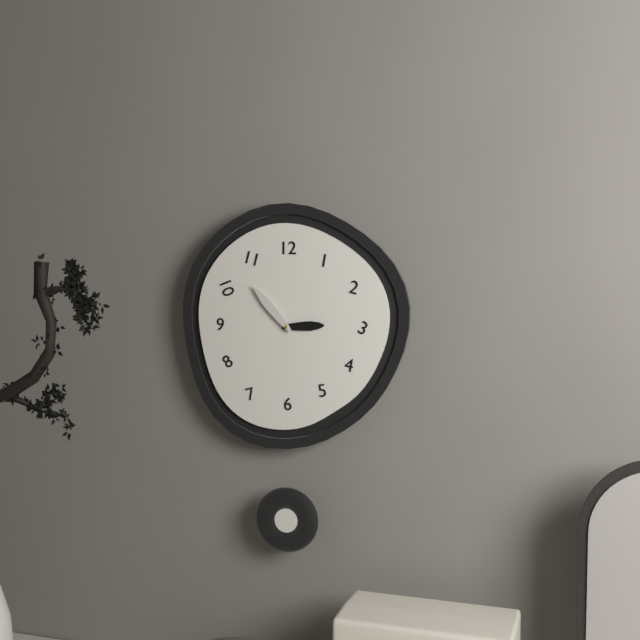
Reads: **2:53**
